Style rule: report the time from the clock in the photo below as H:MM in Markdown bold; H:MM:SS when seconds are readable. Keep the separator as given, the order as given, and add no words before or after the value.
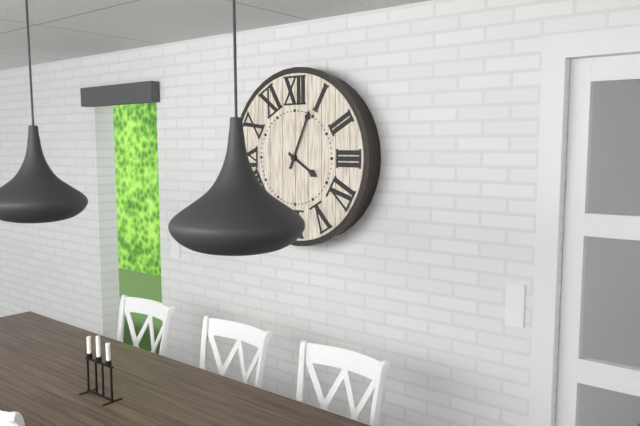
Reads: **4:04**
